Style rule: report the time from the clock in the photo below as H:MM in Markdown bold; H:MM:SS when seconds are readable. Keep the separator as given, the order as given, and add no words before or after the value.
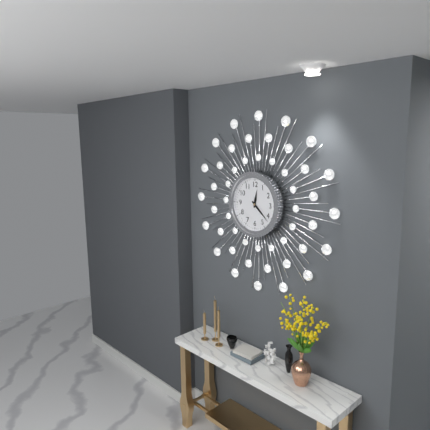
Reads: **12:22**
